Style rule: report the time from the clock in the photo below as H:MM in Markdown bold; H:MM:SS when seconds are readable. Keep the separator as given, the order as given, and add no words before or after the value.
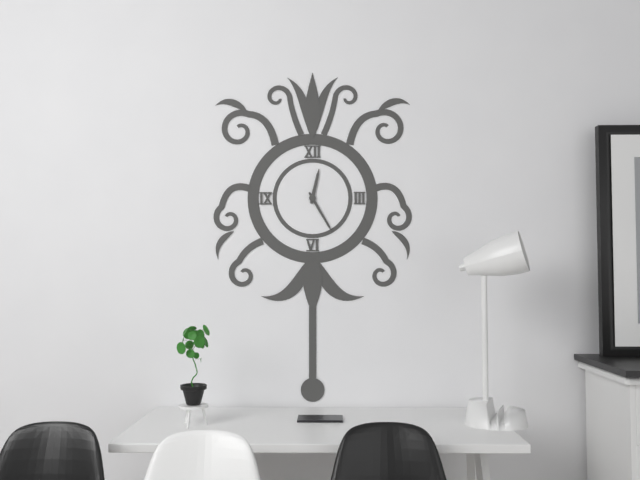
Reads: **12:25**
